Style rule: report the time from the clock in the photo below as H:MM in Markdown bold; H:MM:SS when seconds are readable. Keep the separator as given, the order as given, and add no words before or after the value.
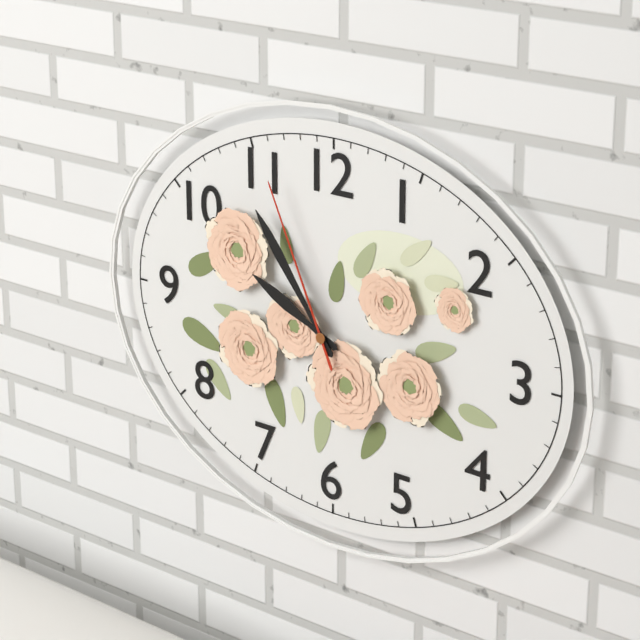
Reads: **9:54:56**
